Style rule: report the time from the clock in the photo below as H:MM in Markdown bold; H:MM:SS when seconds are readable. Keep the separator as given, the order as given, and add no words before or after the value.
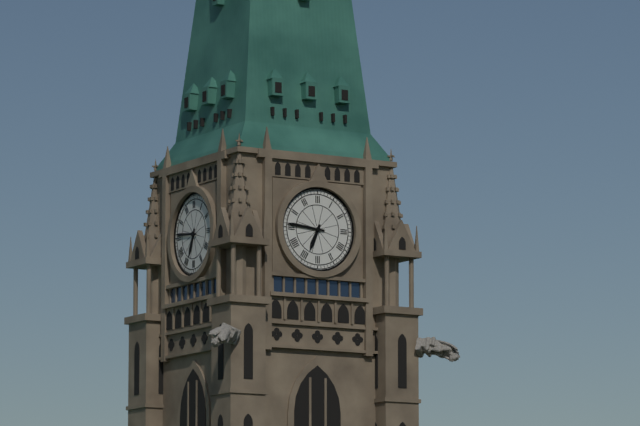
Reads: **6:46**
